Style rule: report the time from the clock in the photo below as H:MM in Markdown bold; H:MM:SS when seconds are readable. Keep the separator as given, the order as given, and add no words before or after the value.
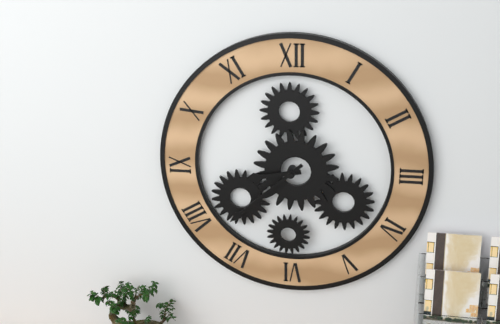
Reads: **8:38**
